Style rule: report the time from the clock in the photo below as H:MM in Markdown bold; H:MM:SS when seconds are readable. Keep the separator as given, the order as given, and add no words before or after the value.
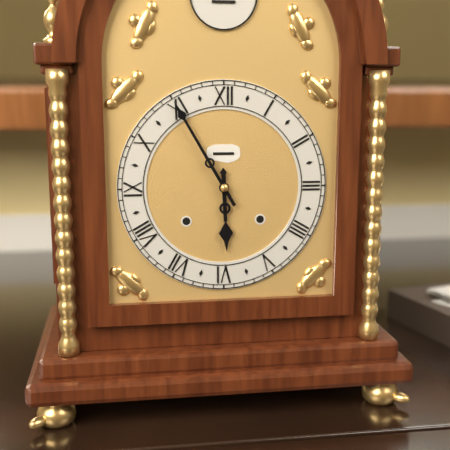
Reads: **5:55**
